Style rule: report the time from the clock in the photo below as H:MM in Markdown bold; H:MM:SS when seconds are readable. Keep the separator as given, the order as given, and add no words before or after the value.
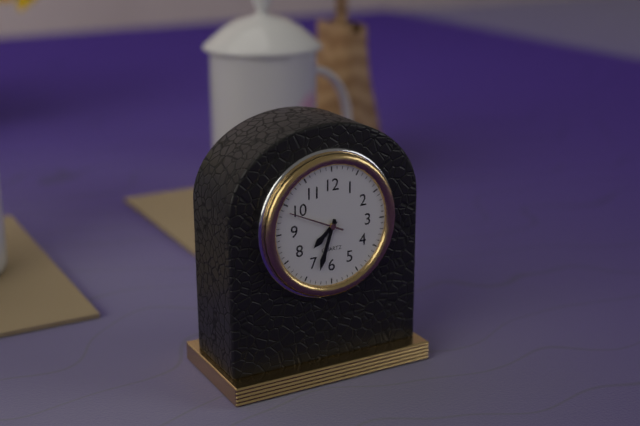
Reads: **7:33:49**
